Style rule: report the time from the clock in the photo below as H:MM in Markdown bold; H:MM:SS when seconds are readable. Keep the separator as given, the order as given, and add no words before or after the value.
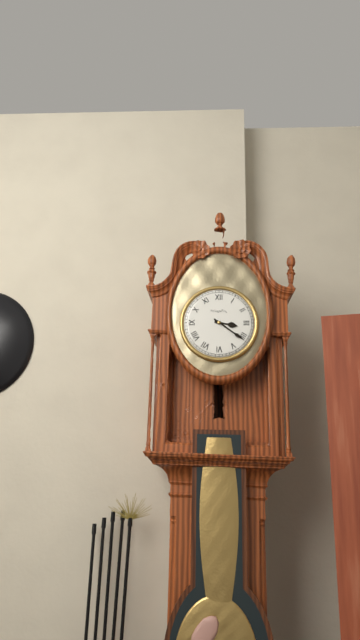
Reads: **3:21**
